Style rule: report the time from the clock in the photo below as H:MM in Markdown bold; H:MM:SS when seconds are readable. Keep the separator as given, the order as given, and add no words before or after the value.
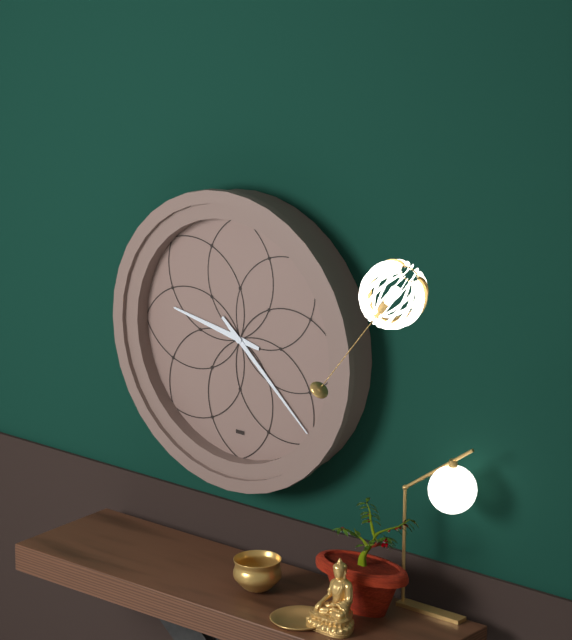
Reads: **9:22**
